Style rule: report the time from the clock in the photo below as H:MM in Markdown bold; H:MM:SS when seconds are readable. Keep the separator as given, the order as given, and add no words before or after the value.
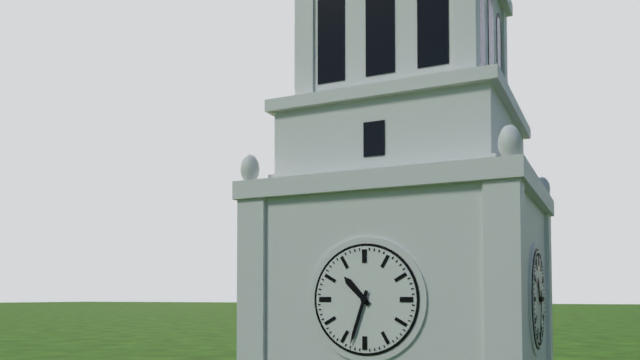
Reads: **10:33**
